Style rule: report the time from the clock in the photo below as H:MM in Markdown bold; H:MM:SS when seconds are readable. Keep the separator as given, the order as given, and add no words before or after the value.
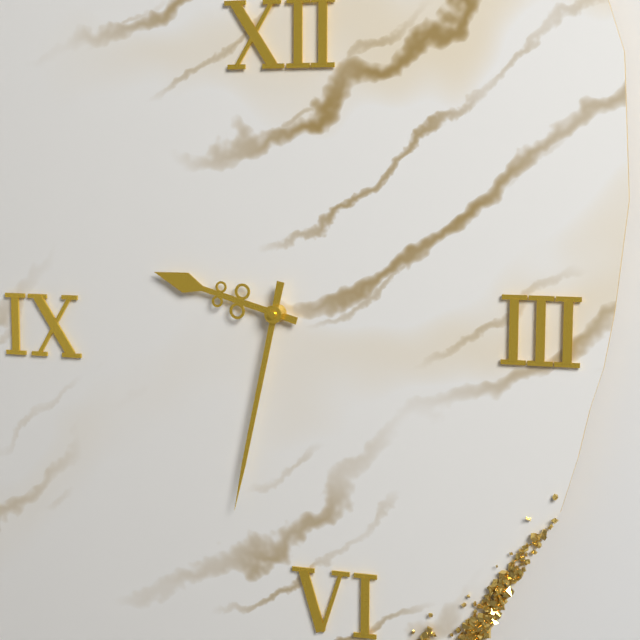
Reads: **9:32**
